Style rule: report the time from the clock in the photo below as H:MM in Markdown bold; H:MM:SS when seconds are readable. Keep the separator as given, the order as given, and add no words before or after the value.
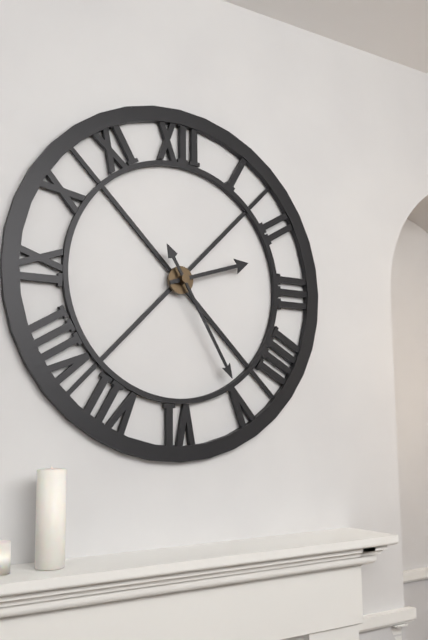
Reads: **2:25**
